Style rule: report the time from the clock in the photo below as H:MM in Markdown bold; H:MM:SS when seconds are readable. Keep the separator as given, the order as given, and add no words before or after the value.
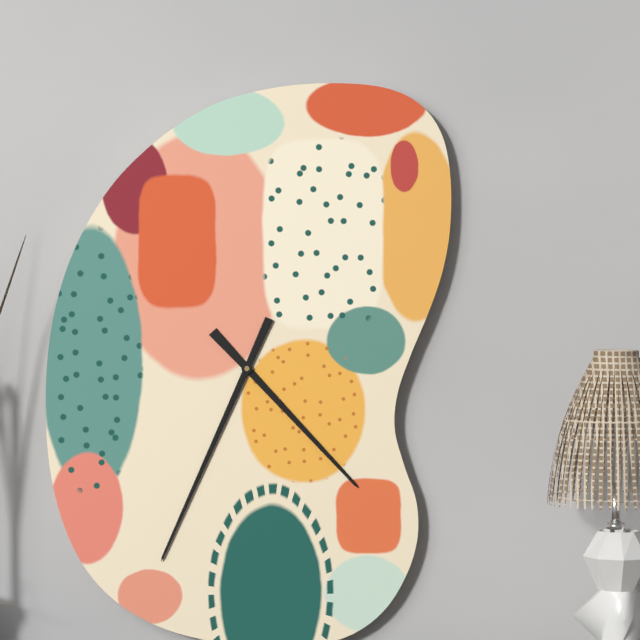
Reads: **4:34**
